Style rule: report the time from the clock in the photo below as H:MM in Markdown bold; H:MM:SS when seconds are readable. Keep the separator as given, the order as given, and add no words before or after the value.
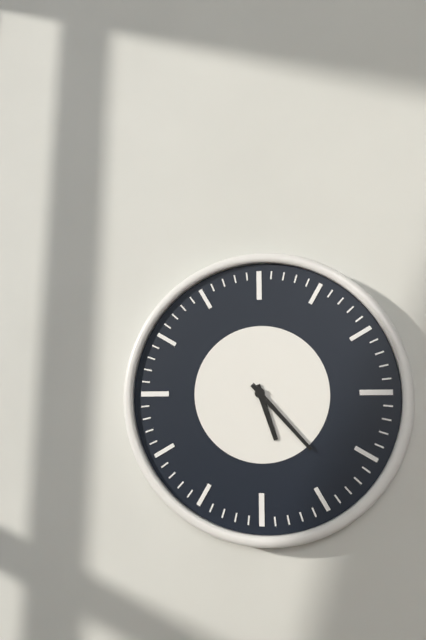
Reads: **5:23**
